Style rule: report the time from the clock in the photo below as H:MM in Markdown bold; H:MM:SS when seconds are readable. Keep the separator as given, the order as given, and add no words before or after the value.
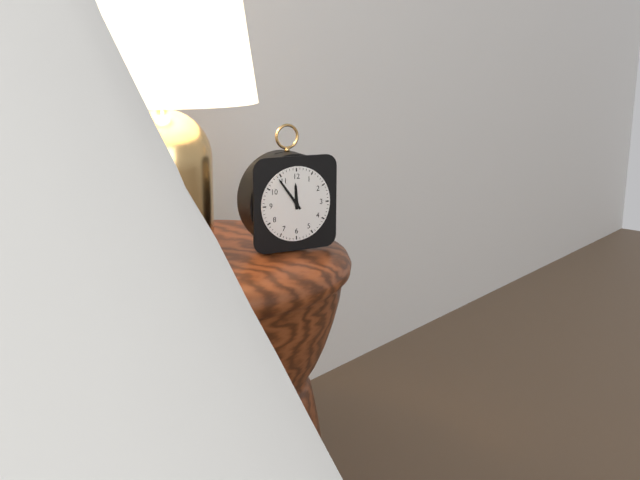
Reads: **11:54**
